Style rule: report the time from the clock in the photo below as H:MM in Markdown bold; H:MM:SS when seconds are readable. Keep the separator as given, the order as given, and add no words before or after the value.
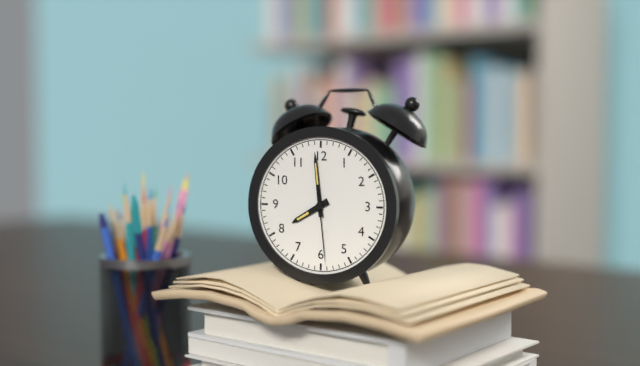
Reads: **7:59:29**
